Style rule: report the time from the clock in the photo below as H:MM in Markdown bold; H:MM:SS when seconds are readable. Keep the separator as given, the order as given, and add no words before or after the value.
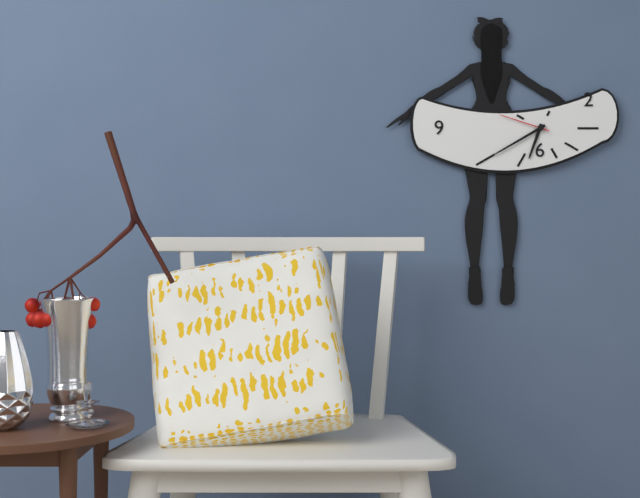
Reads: **6:40:48**
